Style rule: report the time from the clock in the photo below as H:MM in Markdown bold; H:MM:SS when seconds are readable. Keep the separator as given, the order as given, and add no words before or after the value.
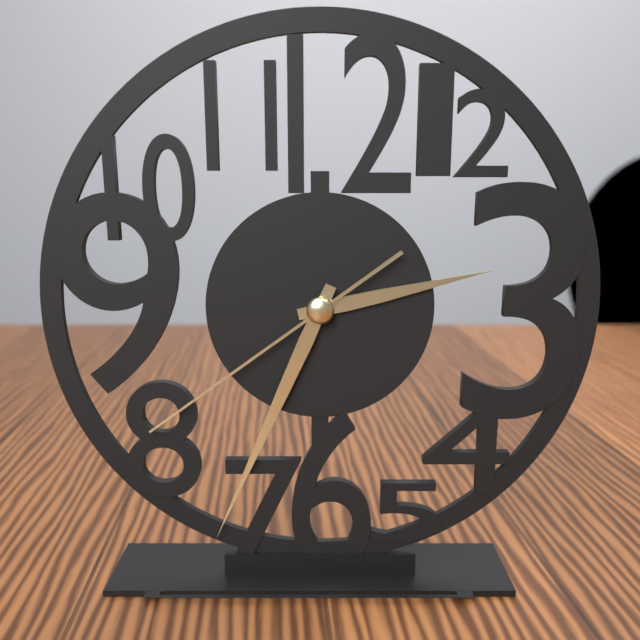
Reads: **2:34:39**
